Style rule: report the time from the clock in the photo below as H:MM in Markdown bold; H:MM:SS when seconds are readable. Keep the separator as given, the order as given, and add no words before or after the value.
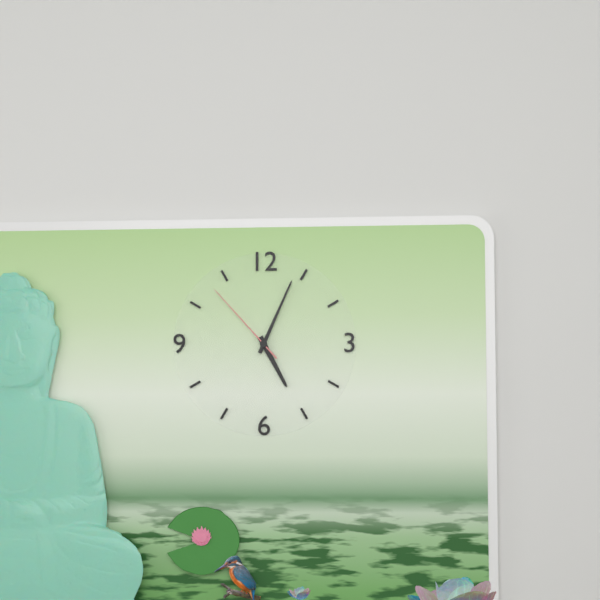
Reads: **5:04:53**
